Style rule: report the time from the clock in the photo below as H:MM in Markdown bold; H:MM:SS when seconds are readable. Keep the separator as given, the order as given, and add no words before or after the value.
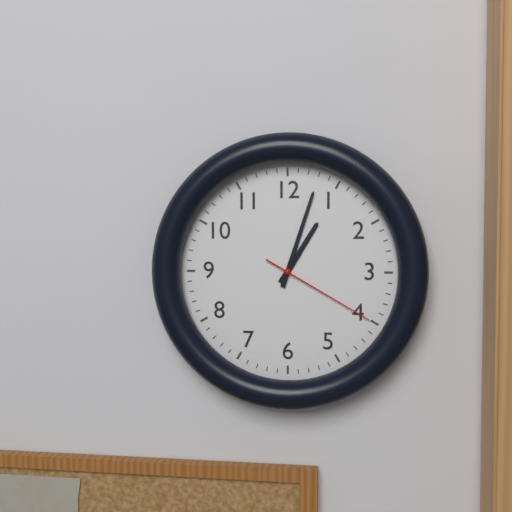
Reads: **1:03:20**
